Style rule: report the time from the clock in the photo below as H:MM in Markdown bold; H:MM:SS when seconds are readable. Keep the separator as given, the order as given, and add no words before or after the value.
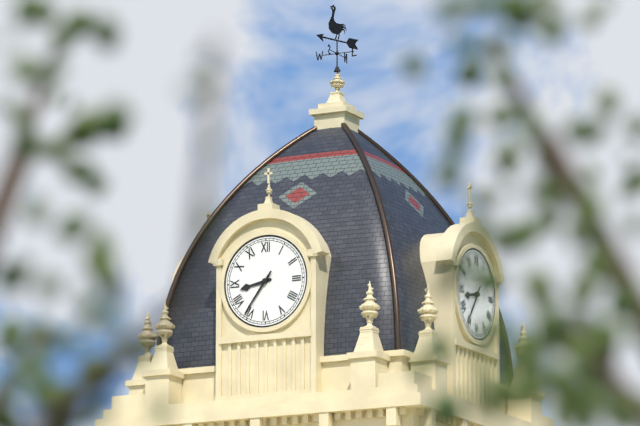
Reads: **8:36**
